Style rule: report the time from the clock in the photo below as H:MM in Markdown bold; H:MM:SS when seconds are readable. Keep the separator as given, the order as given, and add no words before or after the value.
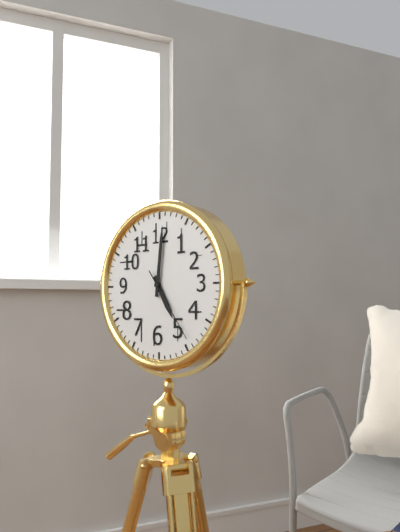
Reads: **5:01:24**
